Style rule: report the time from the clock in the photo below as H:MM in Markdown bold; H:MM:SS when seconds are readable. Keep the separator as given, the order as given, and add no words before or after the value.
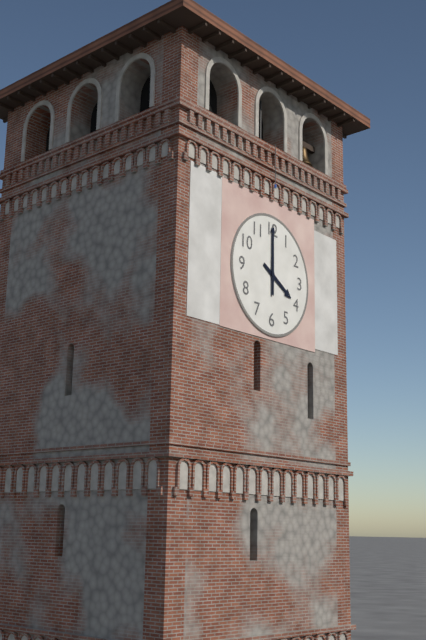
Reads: **4:00**
